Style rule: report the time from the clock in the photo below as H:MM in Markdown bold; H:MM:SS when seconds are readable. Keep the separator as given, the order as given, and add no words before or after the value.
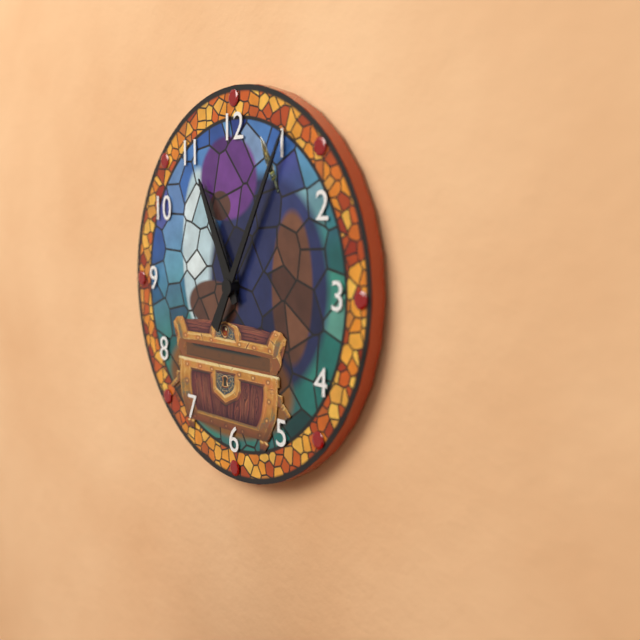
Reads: **11:05**
